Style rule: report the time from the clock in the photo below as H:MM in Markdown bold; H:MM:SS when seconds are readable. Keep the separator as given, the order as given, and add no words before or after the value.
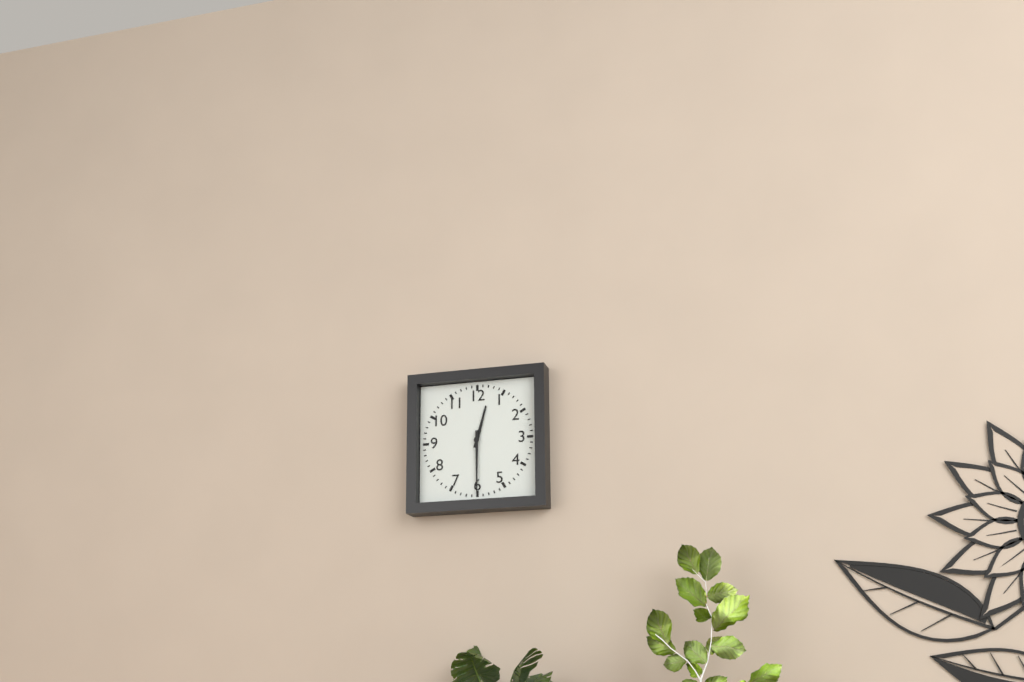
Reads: **12:30**
